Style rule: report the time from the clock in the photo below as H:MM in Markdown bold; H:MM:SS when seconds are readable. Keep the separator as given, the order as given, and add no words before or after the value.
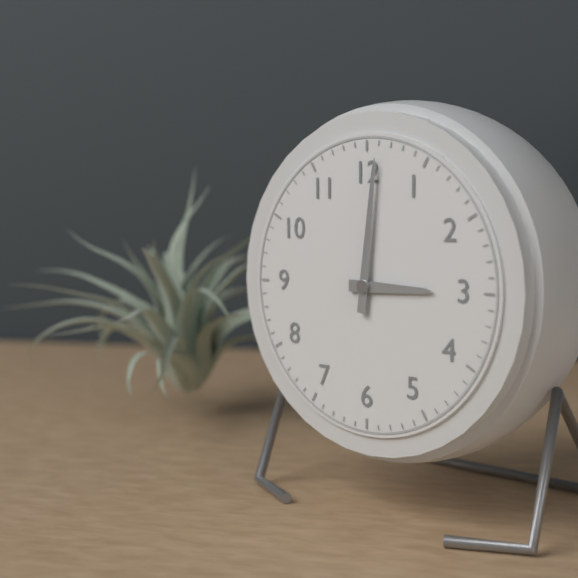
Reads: **3:01**
